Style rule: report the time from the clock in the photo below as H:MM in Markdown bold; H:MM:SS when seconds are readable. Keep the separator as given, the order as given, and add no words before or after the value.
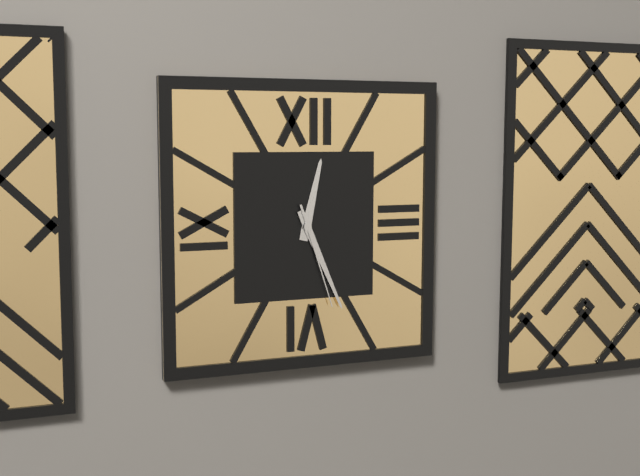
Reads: **12:26:27**
